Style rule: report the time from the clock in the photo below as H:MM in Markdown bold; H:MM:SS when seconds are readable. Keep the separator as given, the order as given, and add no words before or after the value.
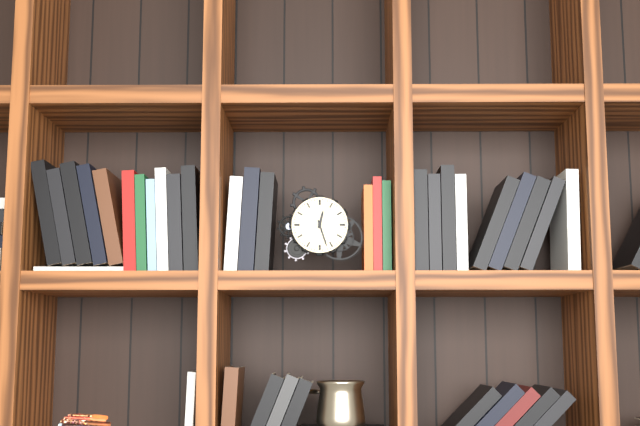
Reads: **12:27**
